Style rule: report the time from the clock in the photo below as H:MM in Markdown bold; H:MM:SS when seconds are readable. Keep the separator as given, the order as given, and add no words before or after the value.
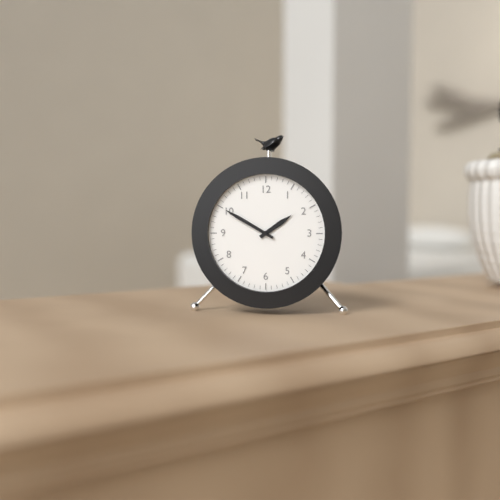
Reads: **1:50**
